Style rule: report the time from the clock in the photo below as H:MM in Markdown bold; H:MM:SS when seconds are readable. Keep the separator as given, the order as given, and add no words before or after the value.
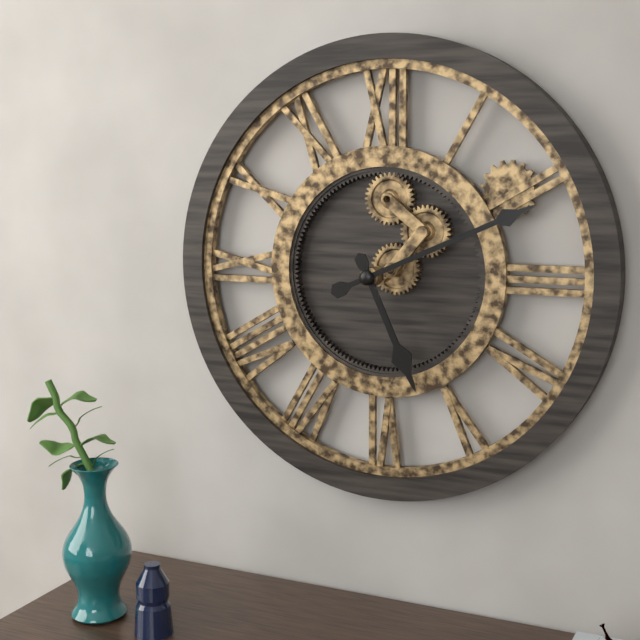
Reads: **5:11**
